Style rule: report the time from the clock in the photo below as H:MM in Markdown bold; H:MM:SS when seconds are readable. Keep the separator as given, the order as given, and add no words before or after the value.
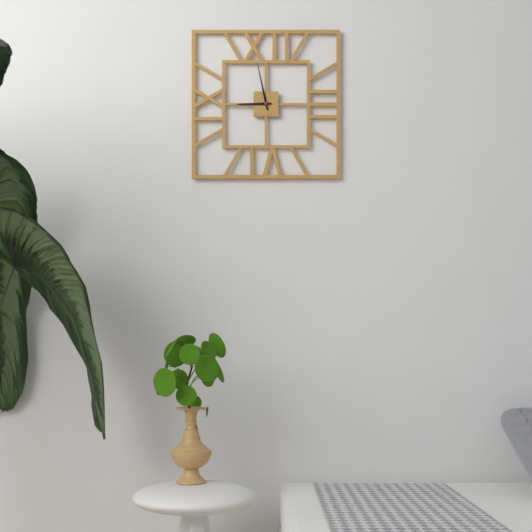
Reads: **8:58**
